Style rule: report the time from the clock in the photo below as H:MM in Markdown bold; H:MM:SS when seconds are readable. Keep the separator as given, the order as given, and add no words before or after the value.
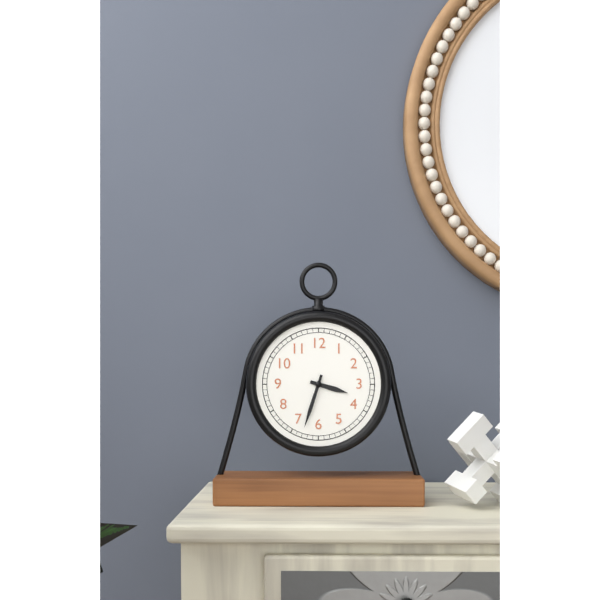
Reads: **3:33**
